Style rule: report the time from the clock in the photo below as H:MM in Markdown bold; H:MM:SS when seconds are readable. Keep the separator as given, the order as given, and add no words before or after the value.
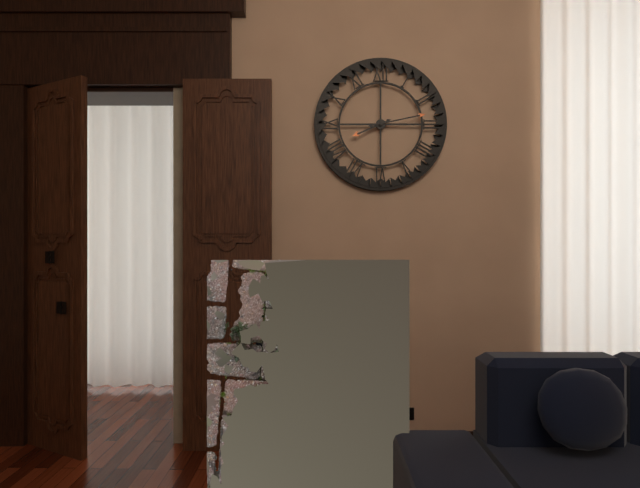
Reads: **8:13**
